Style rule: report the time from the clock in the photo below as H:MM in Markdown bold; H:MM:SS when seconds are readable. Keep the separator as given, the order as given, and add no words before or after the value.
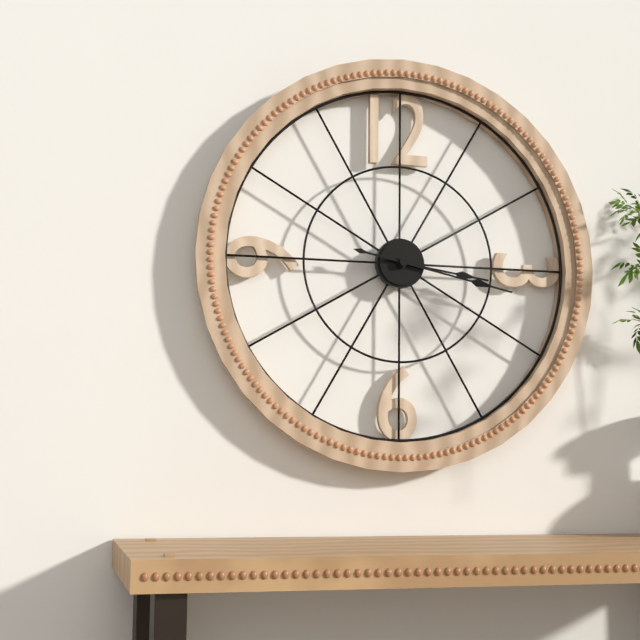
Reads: **3:17**
